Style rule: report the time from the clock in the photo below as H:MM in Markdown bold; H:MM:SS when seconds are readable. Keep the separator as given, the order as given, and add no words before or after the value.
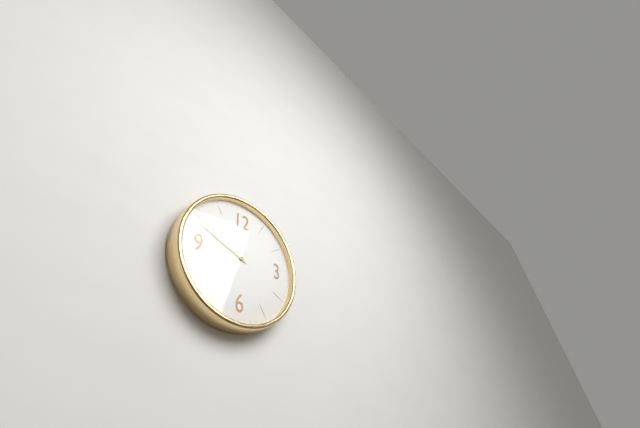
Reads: **9:49**
